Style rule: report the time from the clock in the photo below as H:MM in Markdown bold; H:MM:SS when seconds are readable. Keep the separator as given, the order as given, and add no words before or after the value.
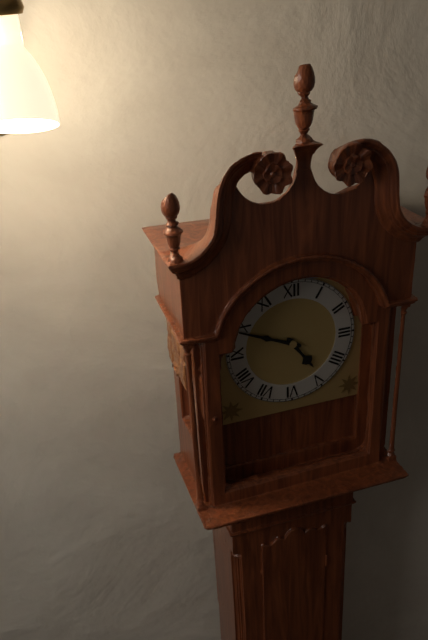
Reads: **4:49**
